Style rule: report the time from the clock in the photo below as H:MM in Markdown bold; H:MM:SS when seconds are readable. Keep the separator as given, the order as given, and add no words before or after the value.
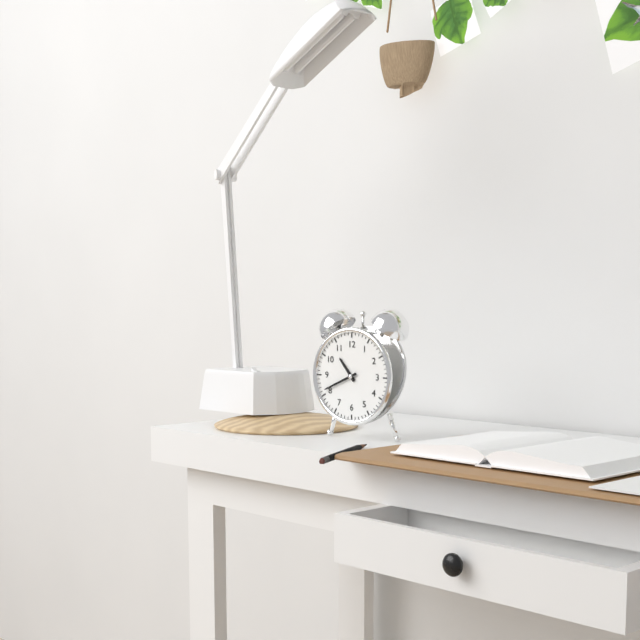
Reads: **10:41**
